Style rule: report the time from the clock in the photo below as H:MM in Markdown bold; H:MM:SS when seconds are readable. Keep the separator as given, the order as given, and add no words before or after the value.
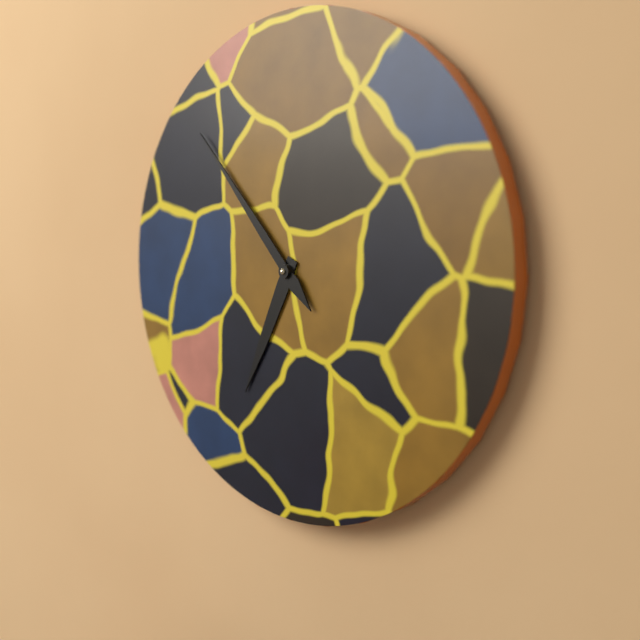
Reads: **6:53**
